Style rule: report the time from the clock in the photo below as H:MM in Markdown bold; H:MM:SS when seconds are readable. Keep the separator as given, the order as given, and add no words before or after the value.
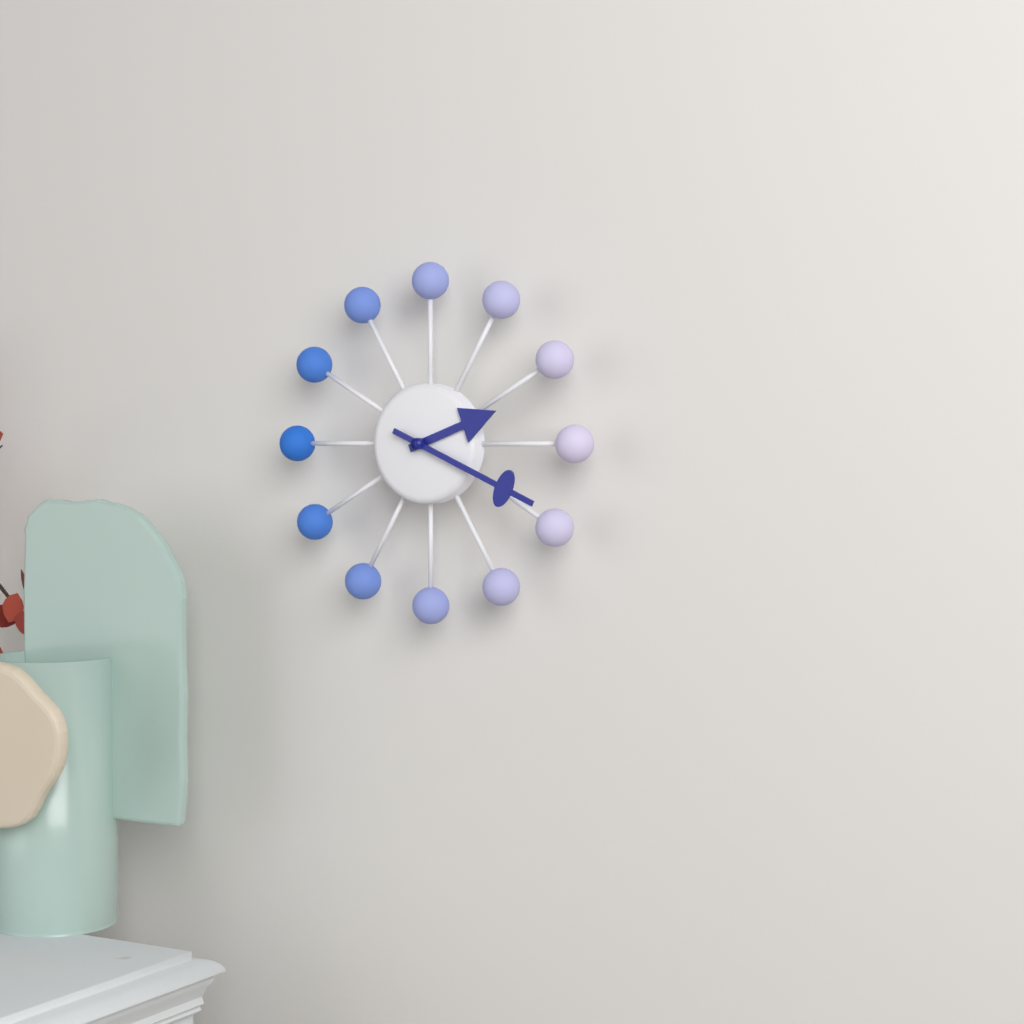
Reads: **2:19**
